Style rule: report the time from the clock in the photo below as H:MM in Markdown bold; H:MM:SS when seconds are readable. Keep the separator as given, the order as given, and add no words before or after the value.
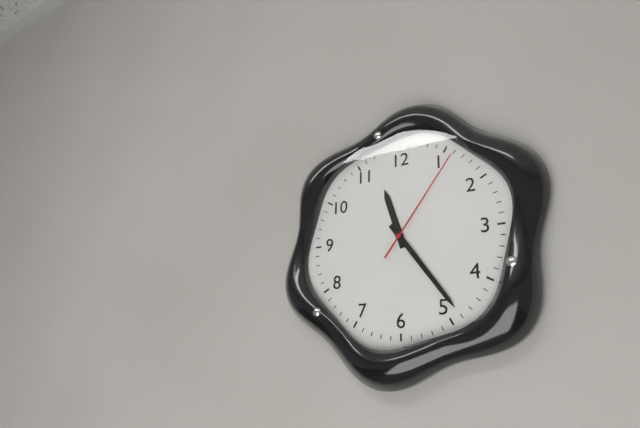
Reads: **11:24:06**
